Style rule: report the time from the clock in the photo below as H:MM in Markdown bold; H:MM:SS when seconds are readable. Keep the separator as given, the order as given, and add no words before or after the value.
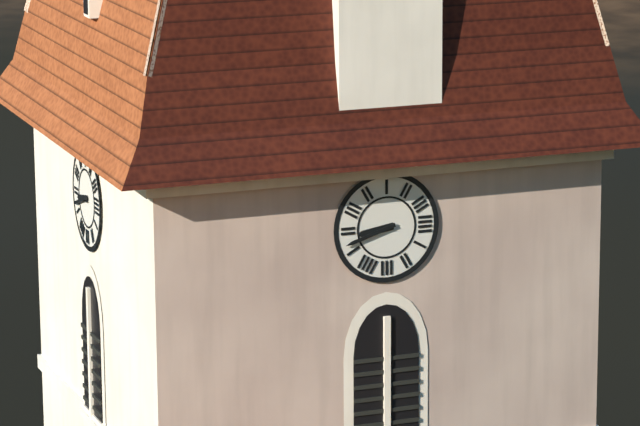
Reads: **8:42**
